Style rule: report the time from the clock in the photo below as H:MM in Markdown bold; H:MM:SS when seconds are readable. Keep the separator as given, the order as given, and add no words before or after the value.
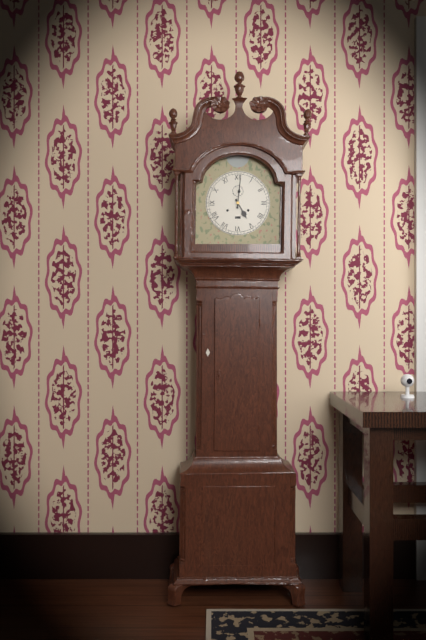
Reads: **5:01**
